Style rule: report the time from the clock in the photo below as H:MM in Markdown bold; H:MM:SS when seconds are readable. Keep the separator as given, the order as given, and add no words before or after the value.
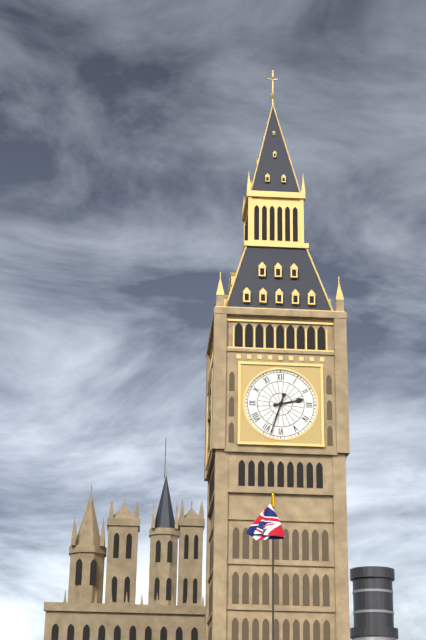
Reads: **2:33**
